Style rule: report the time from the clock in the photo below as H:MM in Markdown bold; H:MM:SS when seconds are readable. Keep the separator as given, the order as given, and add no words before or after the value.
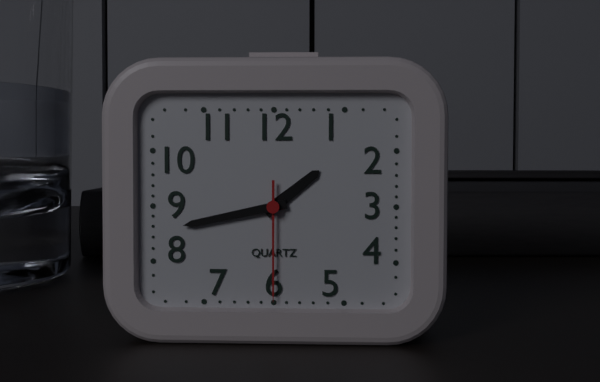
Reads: **1:43:30**
